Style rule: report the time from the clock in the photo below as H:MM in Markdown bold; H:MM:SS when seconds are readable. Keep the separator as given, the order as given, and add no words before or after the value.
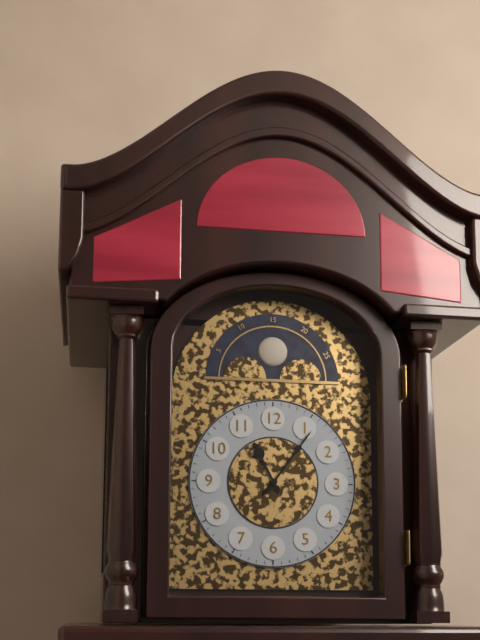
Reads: **11:06**
